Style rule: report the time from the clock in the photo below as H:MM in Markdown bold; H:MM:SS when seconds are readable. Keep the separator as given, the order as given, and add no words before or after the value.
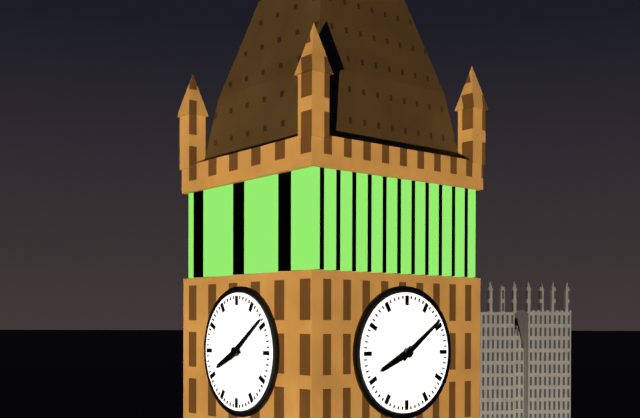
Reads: **8:09**
